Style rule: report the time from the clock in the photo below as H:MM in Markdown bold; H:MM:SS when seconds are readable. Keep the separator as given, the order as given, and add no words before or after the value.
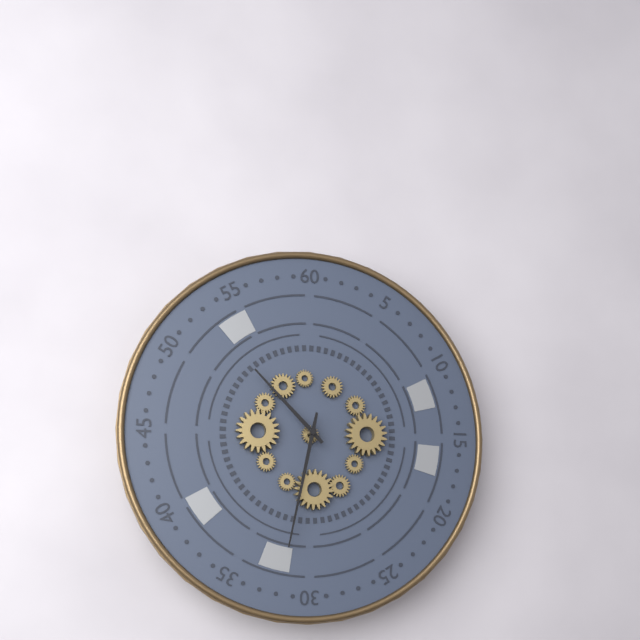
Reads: **10:32**
